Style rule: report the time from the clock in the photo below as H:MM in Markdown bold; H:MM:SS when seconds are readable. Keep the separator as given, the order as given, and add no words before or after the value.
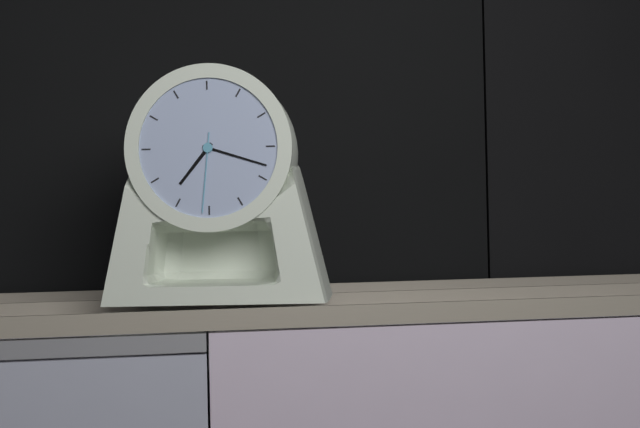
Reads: **7:18:31**
